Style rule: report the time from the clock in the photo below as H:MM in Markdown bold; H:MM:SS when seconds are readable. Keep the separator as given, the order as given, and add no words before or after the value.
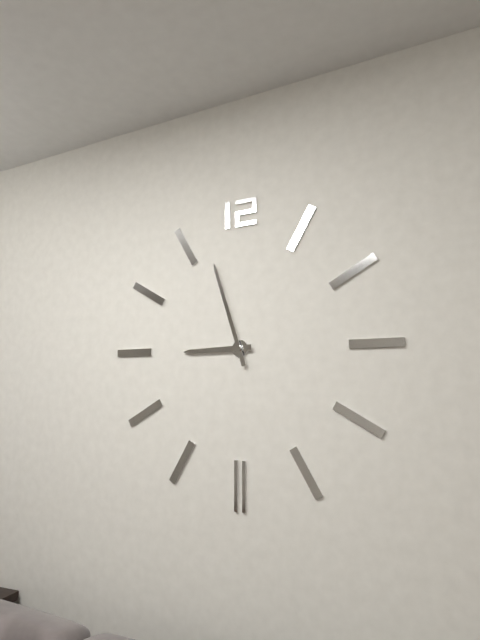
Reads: **8:57**
